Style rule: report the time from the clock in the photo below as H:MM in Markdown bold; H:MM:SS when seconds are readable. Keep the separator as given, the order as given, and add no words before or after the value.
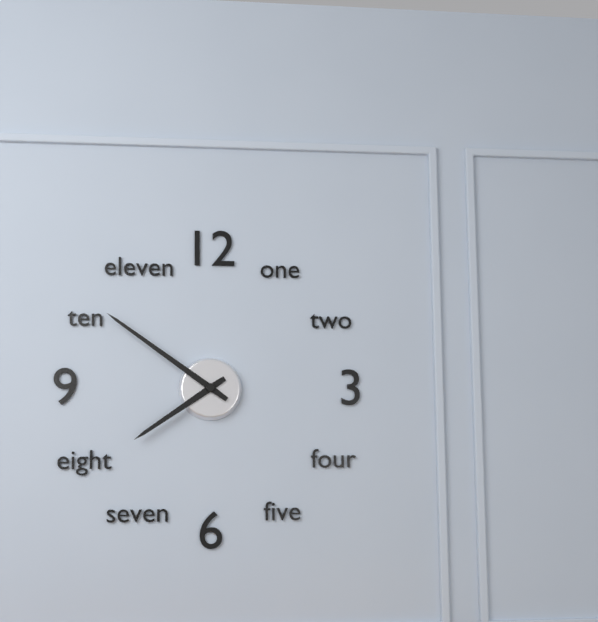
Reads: **7:51**
